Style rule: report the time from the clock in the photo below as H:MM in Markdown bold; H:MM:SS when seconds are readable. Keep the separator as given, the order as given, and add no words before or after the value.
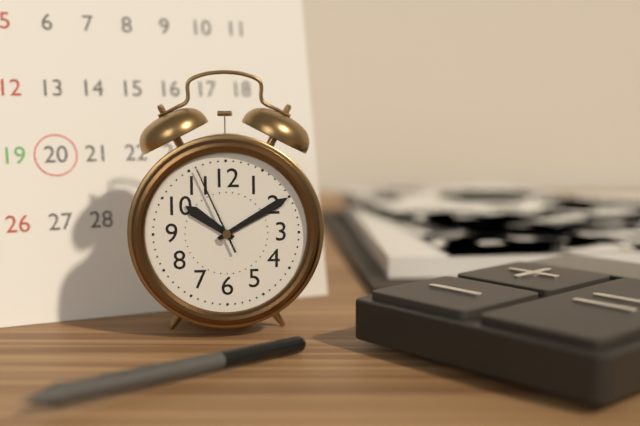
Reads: **10:10:56**
